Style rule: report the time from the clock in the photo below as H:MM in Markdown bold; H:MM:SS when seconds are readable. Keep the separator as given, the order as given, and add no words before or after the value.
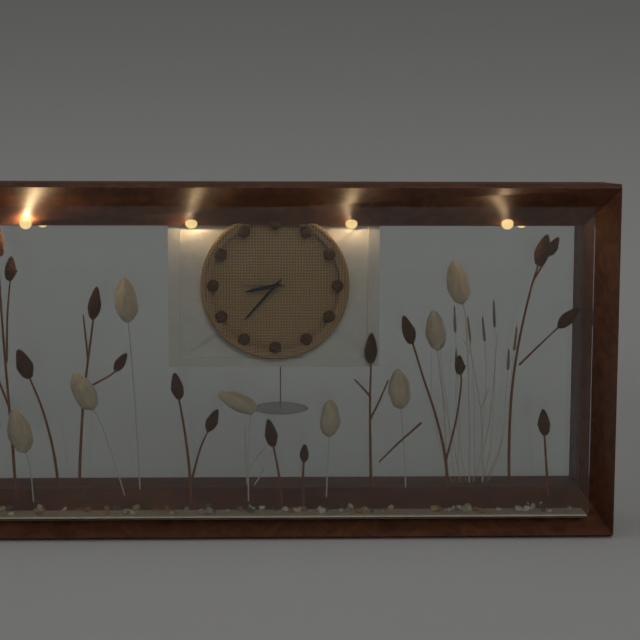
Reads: **8:37**
